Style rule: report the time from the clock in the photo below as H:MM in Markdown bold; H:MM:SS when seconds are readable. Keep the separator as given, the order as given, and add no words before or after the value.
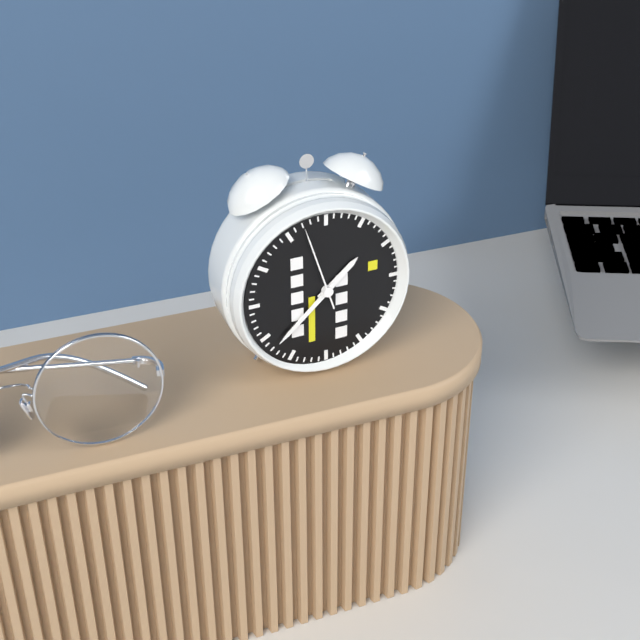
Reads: **1:38:57**
